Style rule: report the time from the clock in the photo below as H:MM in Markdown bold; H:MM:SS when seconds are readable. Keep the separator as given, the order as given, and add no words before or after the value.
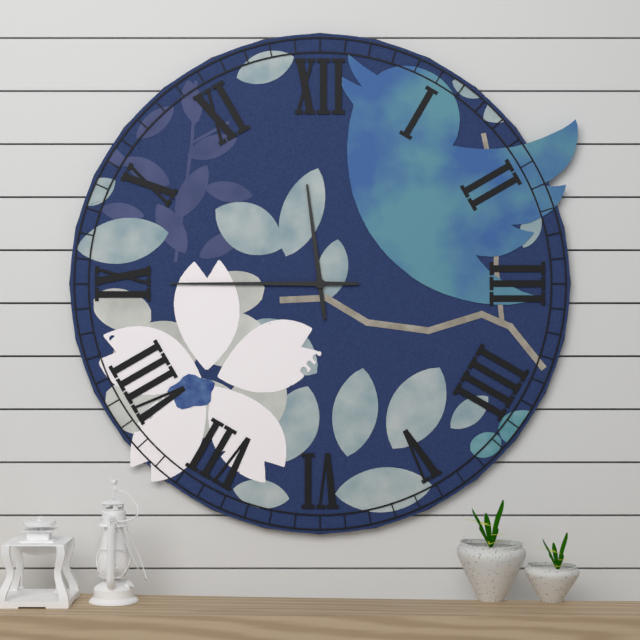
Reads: **11:45**
